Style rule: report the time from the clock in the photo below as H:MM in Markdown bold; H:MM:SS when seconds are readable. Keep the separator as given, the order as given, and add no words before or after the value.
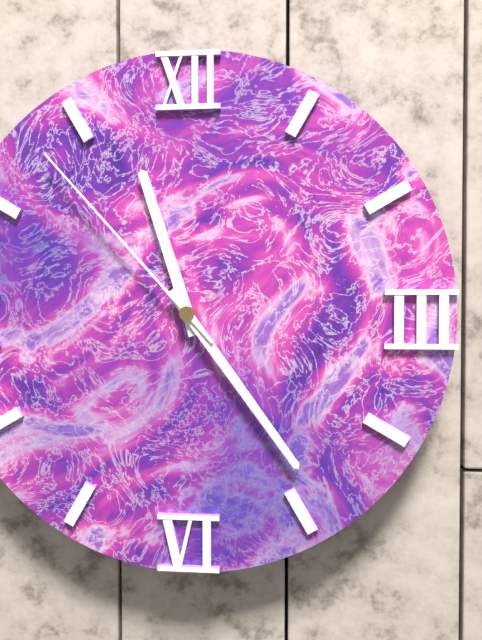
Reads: **11:24:53**
